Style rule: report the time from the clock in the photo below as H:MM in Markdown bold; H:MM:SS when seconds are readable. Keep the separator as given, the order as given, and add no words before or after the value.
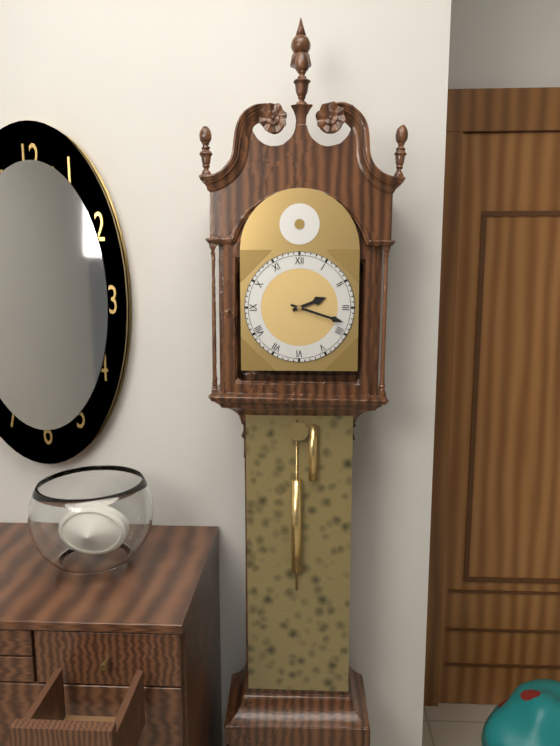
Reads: **2:18**
